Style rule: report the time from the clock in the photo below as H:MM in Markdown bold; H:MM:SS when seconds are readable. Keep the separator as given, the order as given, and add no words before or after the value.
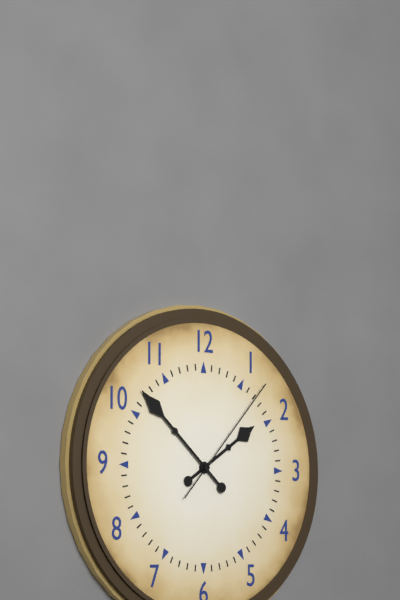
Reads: **1:52:07**
